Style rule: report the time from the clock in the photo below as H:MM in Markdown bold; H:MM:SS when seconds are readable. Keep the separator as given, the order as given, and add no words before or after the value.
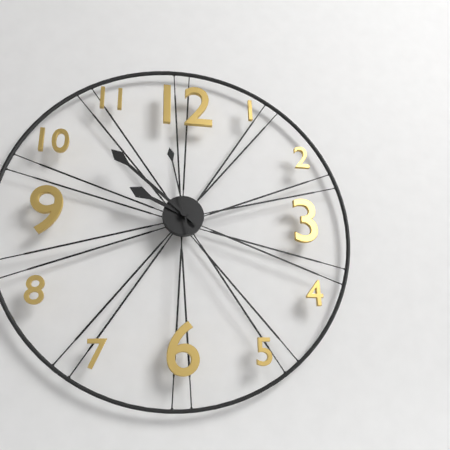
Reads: **9:52:58**
